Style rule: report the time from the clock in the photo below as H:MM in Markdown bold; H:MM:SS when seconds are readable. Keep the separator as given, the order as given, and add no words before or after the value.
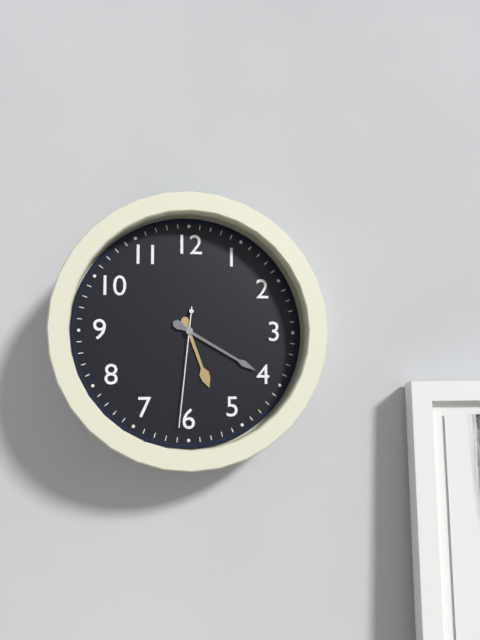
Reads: **5:20:31**
